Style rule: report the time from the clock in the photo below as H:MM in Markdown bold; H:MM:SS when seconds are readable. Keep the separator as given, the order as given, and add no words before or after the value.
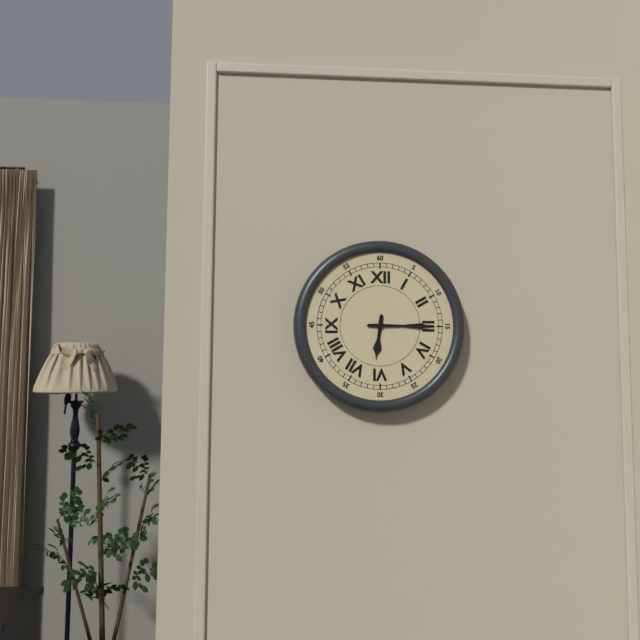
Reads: **6:15**
